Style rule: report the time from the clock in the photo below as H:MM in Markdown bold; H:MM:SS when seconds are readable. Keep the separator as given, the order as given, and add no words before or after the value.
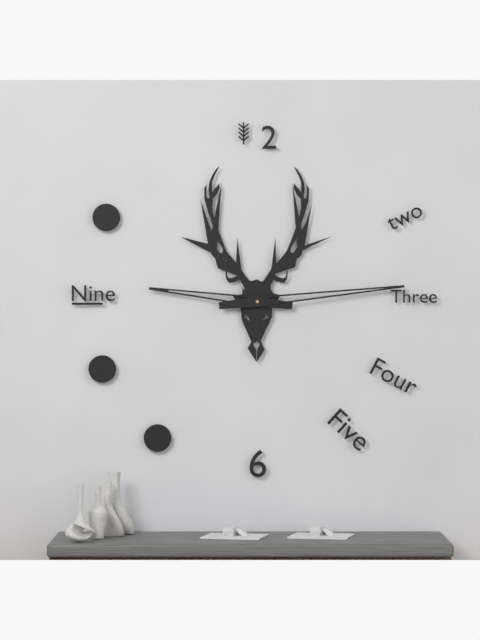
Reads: **9:14**
